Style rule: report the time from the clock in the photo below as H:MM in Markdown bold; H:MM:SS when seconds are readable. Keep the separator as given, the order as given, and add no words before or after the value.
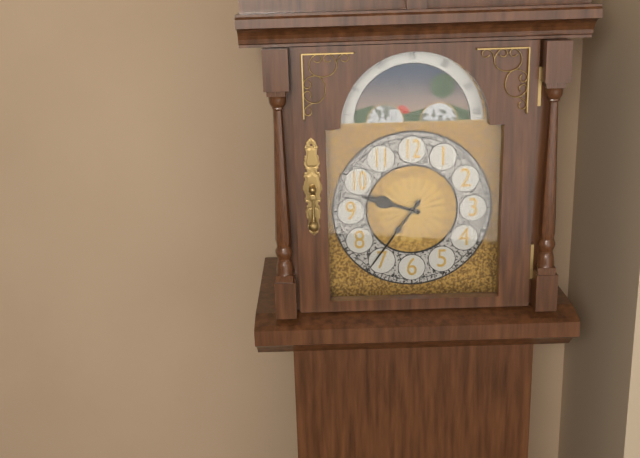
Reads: **9:36**
